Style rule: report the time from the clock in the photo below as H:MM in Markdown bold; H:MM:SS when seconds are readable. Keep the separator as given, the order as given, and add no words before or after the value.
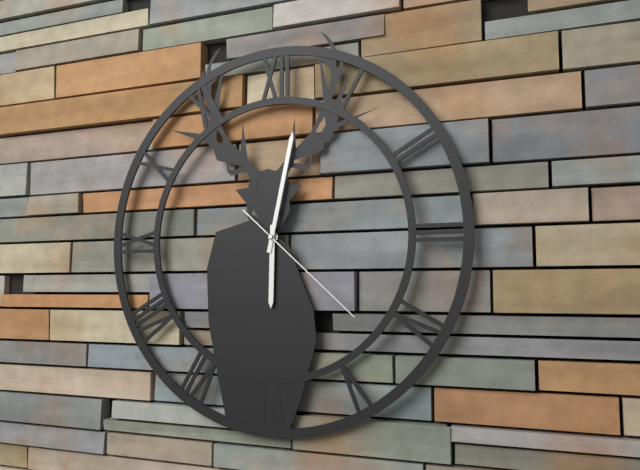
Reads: **6:02:22**
